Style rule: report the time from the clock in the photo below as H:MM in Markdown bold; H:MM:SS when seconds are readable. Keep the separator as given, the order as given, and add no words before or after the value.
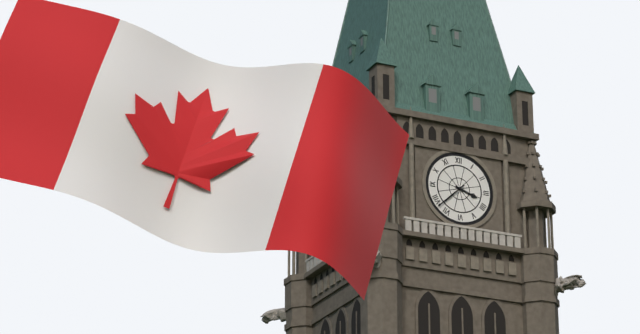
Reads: **3:38**
